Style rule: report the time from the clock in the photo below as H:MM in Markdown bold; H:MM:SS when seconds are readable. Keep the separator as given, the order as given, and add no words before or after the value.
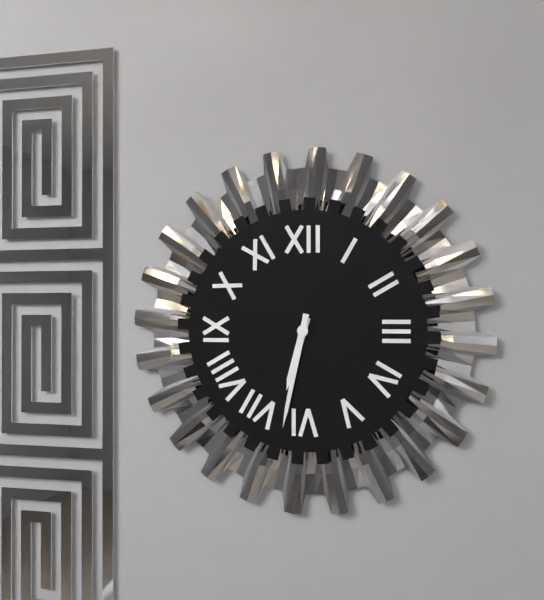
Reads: **6:32**
